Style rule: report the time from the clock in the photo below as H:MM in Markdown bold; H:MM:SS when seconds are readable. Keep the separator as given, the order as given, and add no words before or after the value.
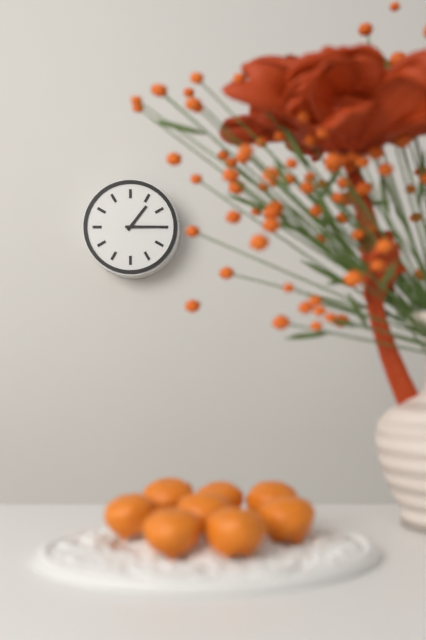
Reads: **1:15**
